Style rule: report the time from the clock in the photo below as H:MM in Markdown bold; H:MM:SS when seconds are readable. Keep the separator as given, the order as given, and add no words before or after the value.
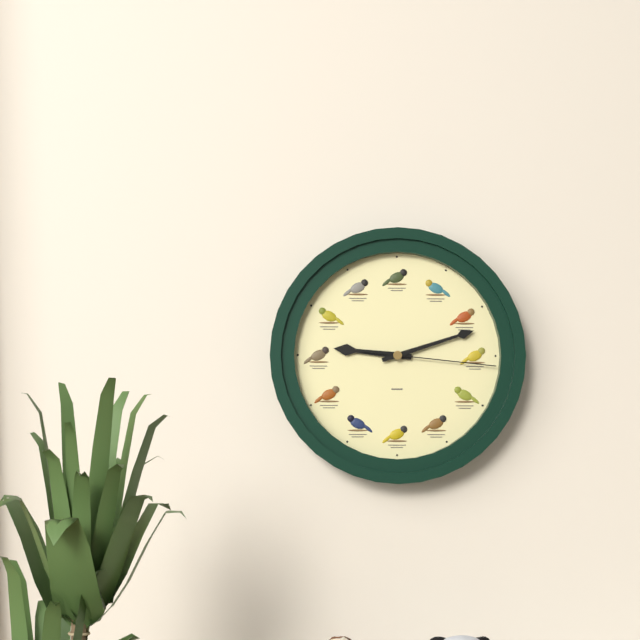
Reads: **9:12:16**
